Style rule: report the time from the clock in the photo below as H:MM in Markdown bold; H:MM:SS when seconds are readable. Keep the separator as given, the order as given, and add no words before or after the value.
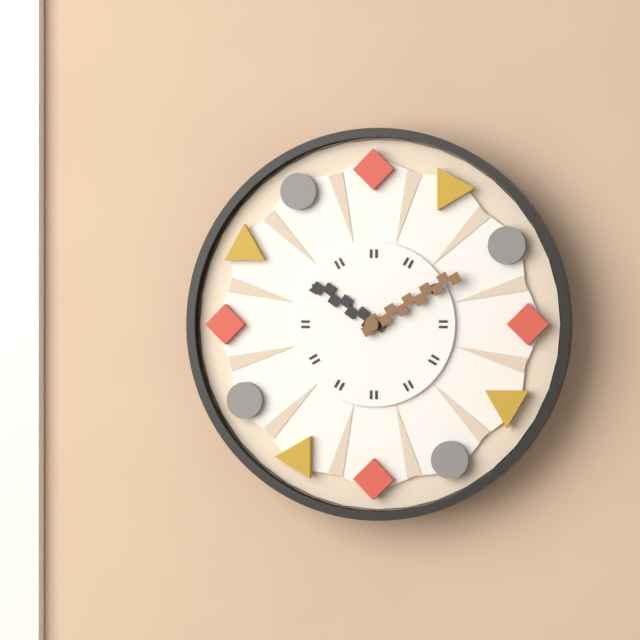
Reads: **10:10**
